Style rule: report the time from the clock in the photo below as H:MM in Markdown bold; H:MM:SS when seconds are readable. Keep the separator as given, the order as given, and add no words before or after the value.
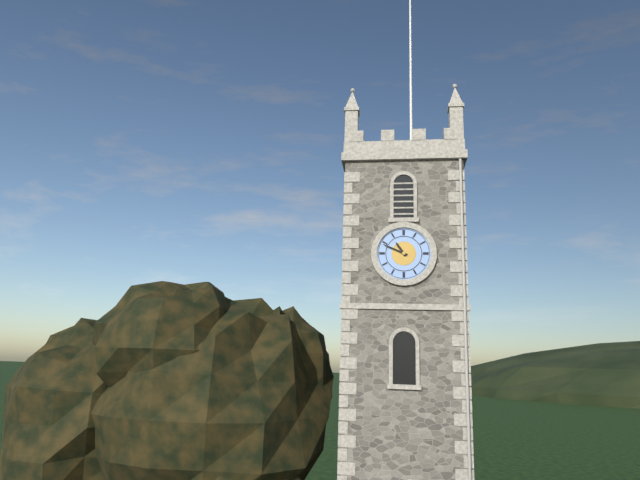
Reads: **10:49**
